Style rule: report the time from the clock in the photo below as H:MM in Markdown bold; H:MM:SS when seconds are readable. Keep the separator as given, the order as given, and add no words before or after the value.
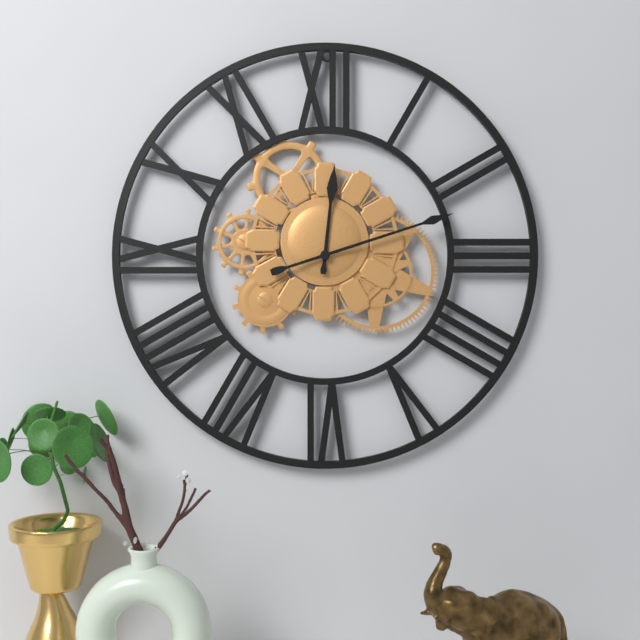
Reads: **12:12**
